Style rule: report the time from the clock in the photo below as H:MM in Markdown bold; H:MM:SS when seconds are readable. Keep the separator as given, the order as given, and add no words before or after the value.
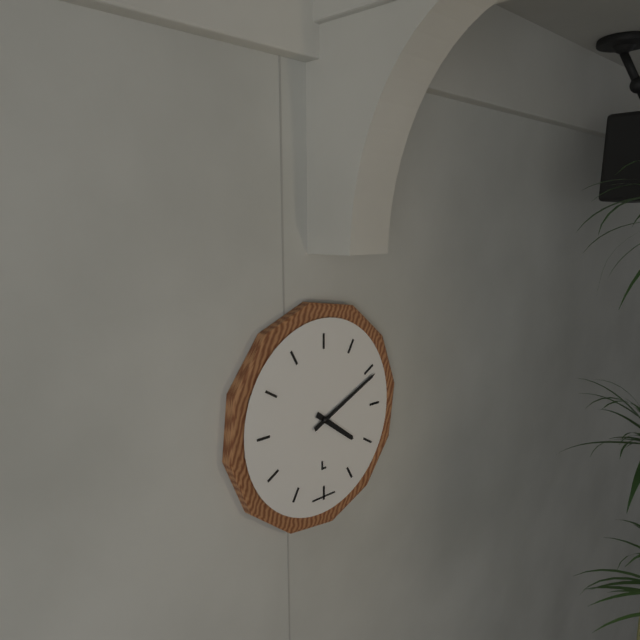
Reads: **4:11**
